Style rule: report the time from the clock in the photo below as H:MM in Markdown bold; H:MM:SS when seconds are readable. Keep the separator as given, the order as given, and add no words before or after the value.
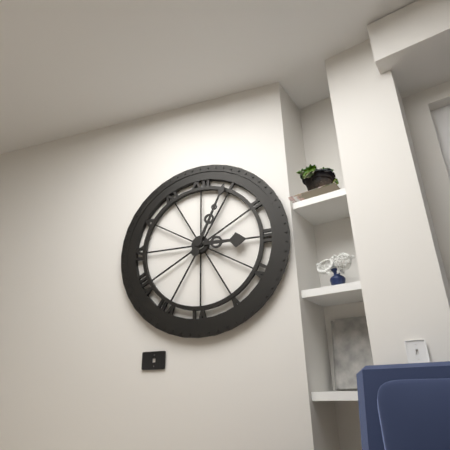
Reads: **3:04**
